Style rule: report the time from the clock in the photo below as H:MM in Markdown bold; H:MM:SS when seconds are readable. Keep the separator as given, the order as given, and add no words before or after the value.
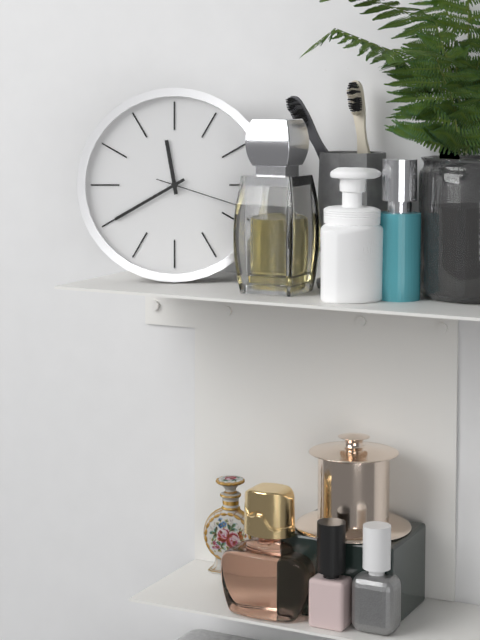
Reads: **11:40:18**
